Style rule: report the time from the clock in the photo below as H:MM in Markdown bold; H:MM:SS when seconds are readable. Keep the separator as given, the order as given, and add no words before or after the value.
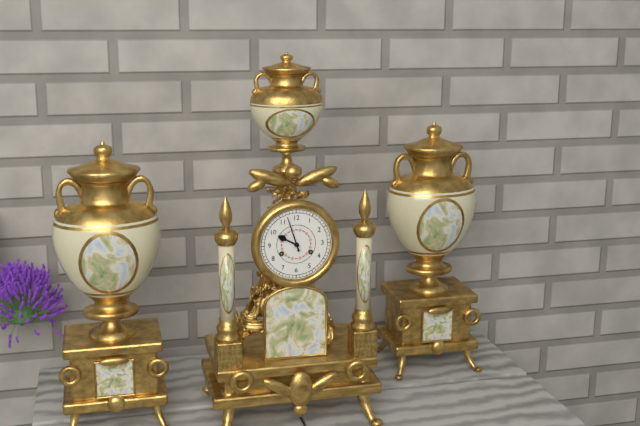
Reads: **9:57**
